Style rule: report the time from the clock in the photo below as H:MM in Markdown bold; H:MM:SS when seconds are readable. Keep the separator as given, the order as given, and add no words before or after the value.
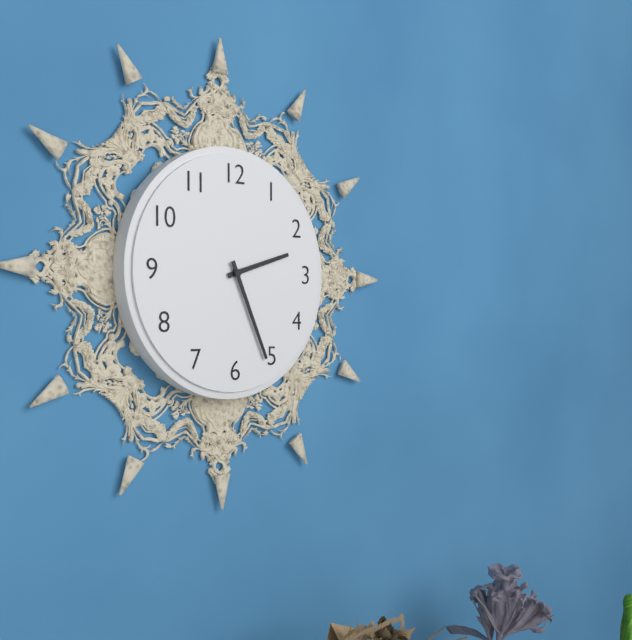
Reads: **2:26**
